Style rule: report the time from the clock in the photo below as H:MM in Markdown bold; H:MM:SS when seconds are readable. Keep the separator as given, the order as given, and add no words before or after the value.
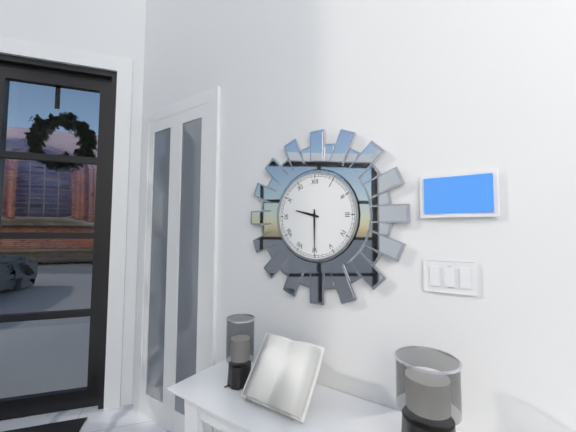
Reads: **9:30**
